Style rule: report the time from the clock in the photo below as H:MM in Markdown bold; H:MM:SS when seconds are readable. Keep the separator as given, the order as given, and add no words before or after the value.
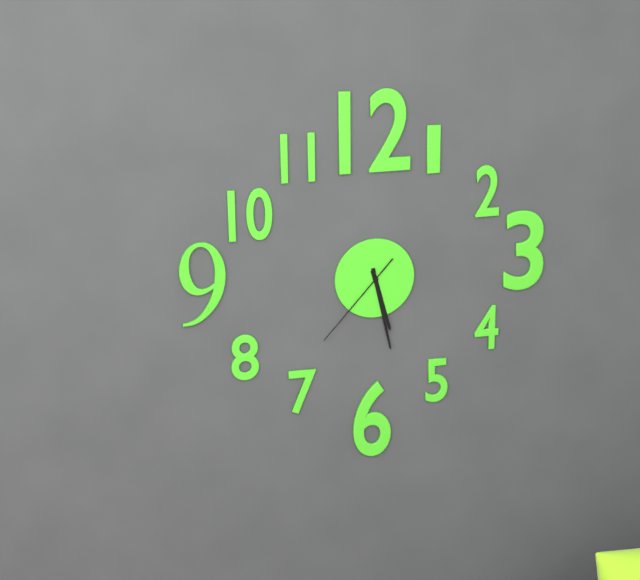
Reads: **5:28:37**
